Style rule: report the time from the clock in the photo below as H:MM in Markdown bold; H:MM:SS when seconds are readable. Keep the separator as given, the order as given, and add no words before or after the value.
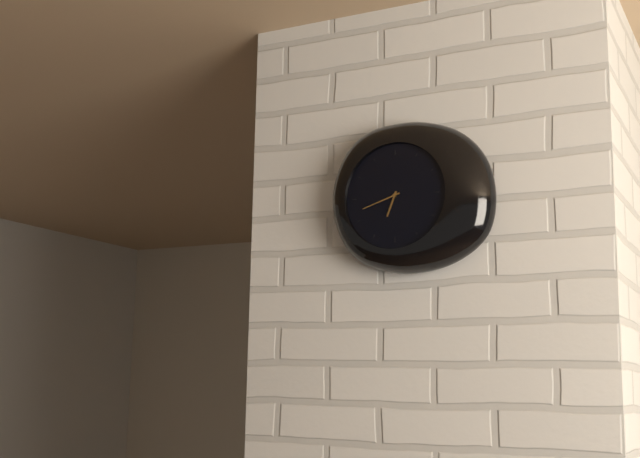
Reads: **6:42**
